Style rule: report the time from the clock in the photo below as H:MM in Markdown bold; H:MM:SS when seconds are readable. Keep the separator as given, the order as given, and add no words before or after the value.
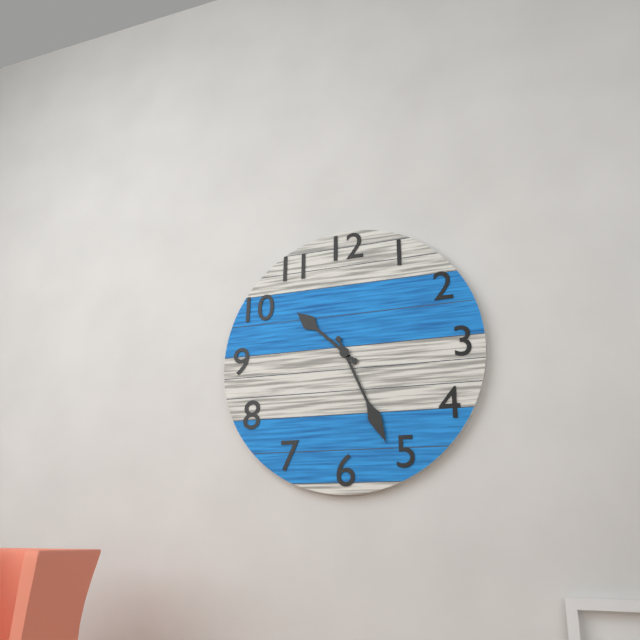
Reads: **10:26**
